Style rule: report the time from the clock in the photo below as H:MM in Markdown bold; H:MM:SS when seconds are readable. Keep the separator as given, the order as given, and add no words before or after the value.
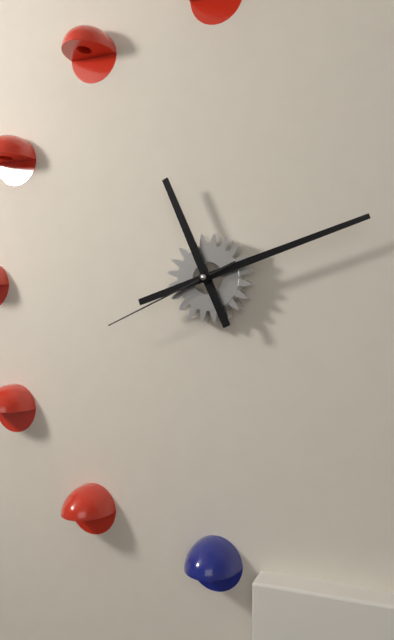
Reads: **11:12:41**
